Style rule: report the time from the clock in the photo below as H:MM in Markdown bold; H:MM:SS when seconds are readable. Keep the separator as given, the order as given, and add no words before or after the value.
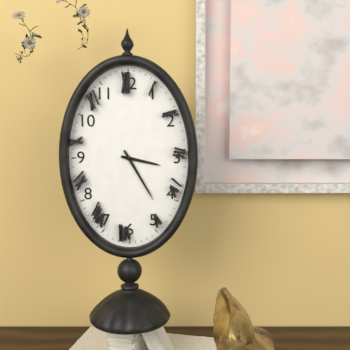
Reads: **3:25**
